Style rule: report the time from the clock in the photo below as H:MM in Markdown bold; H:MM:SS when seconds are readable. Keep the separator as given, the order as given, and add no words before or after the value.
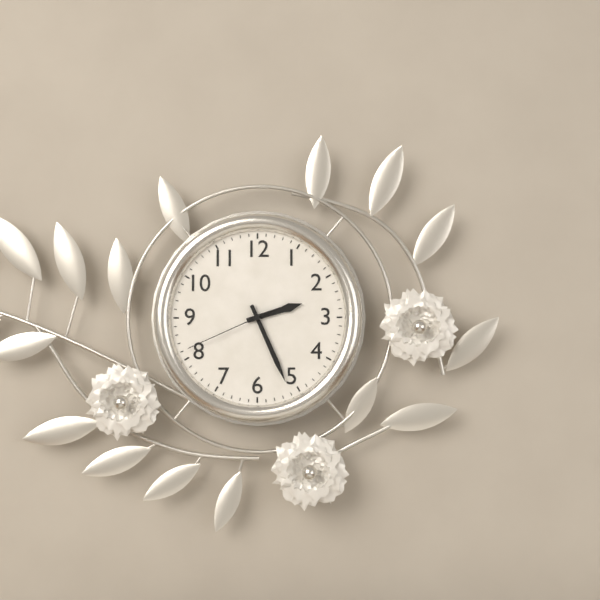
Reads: **2:26:41**
